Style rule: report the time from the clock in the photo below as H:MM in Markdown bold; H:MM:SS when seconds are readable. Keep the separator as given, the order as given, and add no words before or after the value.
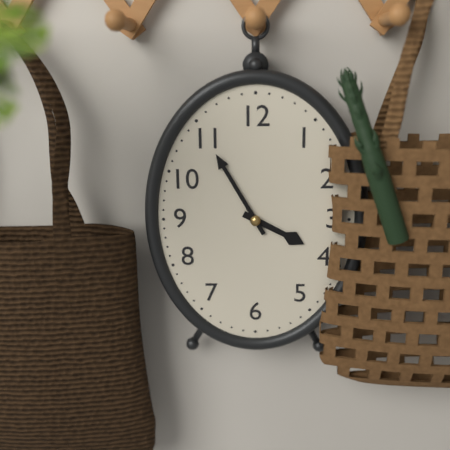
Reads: **3:55**
